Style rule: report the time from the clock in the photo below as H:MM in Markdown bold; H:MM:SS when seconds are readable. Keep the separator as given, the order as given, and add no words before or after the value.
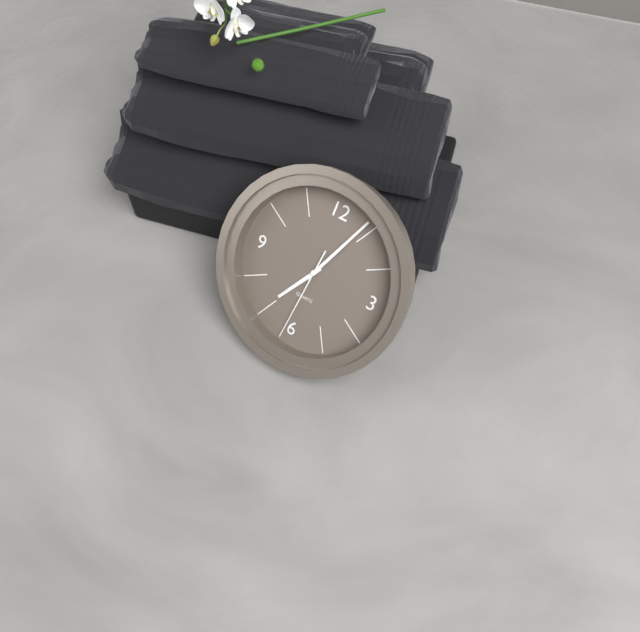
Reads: **7:04:31**
